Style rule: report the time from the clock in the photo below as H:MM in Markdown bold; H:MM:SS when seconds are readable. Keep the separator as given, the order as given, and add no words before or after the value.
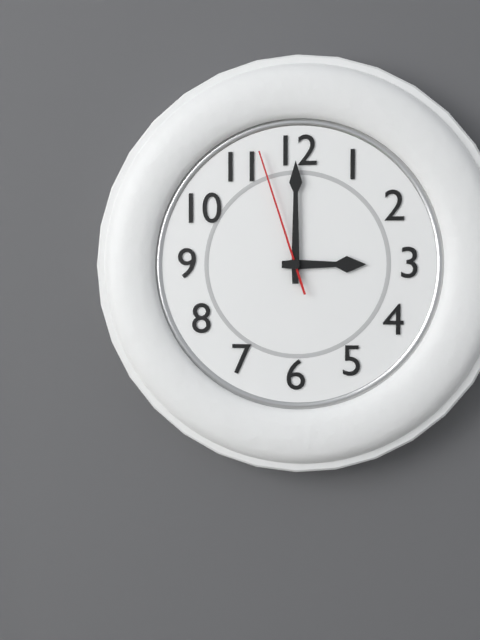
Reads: **3:00:57**
